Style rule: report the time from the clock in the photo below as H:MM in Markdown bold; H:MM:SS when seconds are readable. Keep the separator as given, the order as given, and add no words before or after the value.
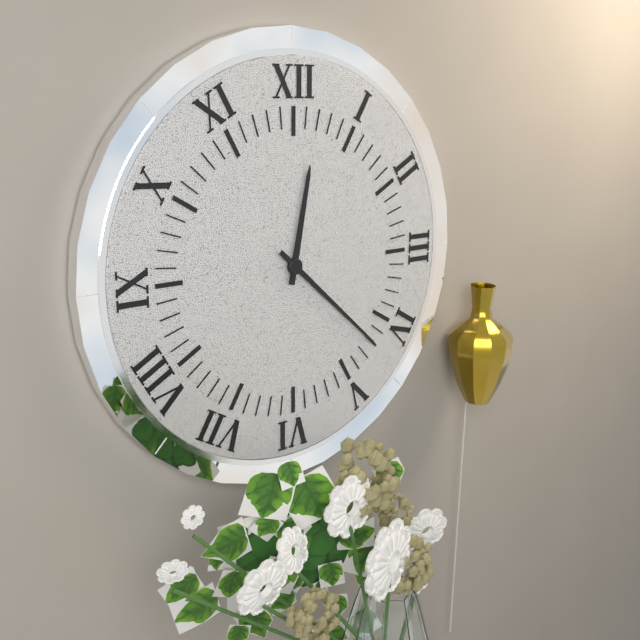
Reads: **12:22**
